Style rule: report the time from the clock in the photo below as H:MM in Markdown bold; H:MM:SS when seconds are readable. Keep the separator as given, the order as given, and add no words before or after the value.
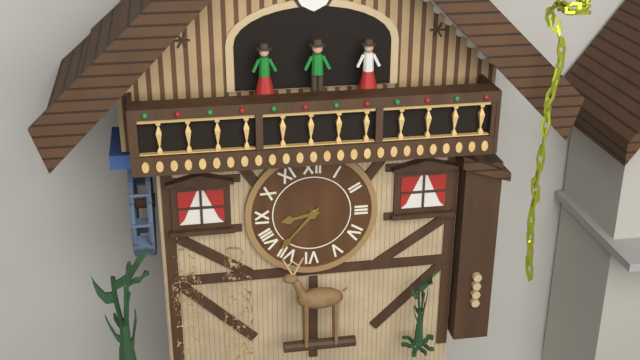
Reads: **8:37**
